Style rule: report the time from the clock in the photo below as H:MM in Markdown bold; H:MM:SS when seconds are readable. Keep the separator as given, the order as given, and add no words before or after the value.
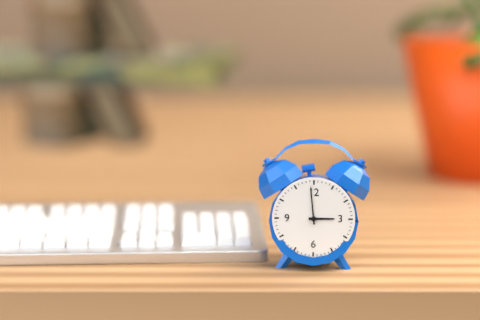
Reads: **2:59**
